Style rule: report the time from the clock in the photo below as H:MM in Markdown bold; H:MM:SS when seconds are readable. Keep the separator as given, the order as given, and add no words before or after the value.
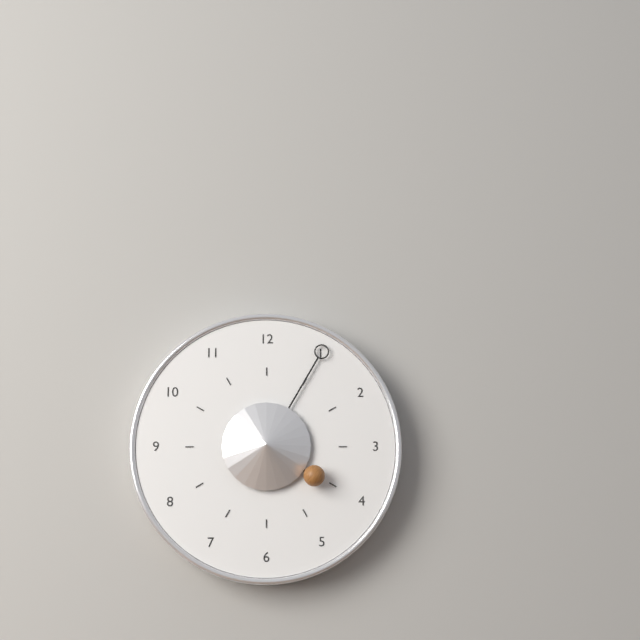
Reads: **4:05**
